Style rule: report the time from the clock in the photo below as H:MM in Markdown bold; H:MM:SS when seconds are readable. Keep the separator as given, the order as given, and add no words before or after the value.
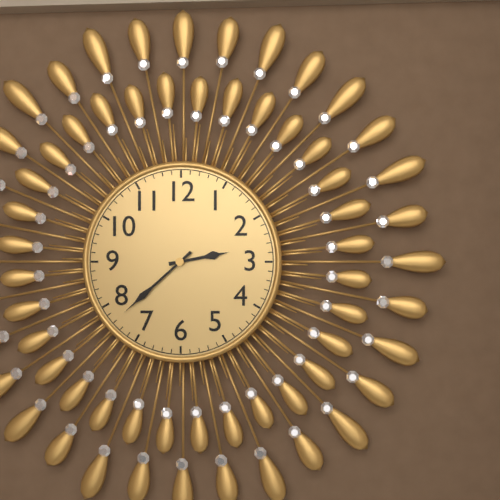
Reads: **2:38**
